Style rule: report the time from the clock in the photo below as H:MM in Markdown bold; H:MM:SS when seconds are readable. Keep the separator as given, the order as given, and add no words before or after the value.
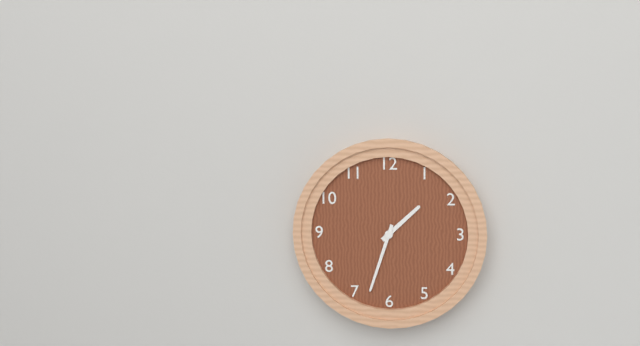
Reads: **1:33**
